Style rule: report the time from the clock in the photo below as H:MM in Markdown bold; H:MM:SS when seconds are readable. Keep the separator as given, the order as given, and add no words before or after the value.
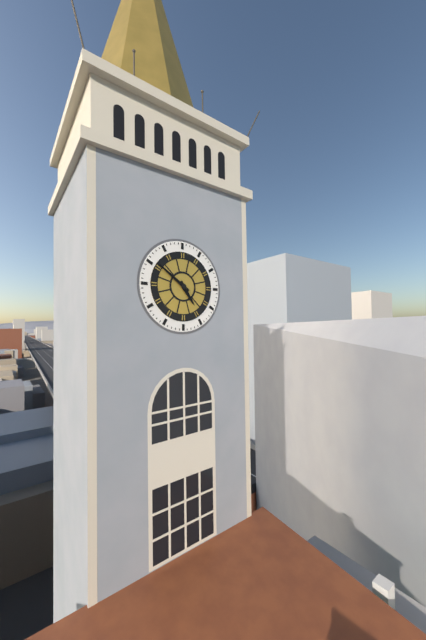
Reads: **4:51**
